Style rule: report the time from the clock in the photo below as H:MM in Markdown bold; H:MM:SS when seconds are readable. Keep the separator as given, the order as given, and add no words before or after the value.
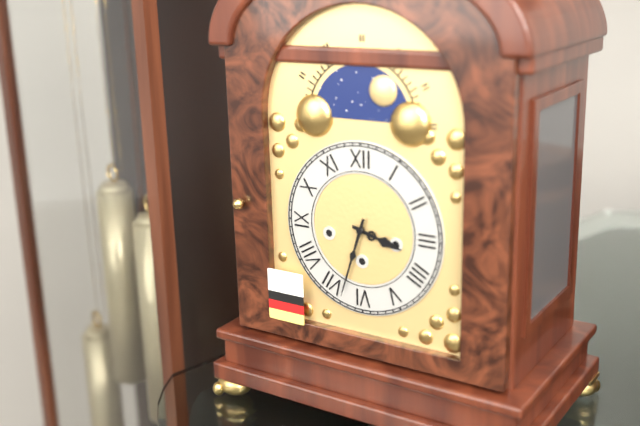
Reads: **3:33**
